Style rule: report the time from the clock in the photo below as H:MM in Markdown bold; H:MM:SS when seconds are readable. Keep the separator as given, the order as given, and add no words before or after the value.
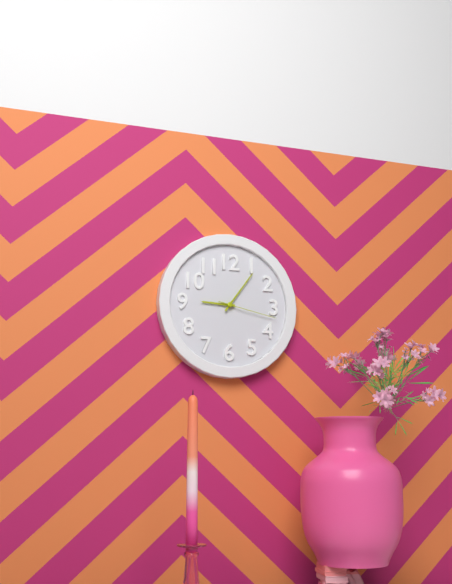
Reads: **9:06:17**
